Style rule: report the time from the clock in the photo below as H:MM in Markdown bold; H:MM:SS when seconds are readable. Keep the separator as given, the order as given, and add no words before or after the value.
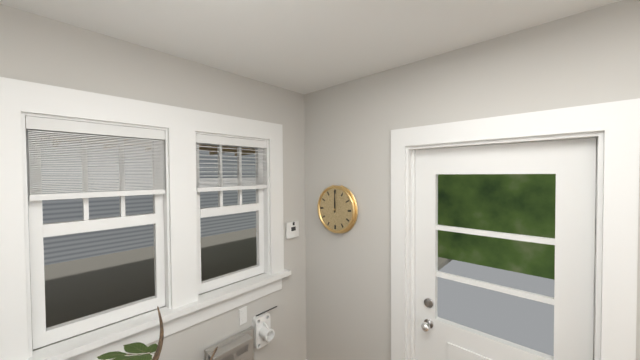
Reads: **12:00**
